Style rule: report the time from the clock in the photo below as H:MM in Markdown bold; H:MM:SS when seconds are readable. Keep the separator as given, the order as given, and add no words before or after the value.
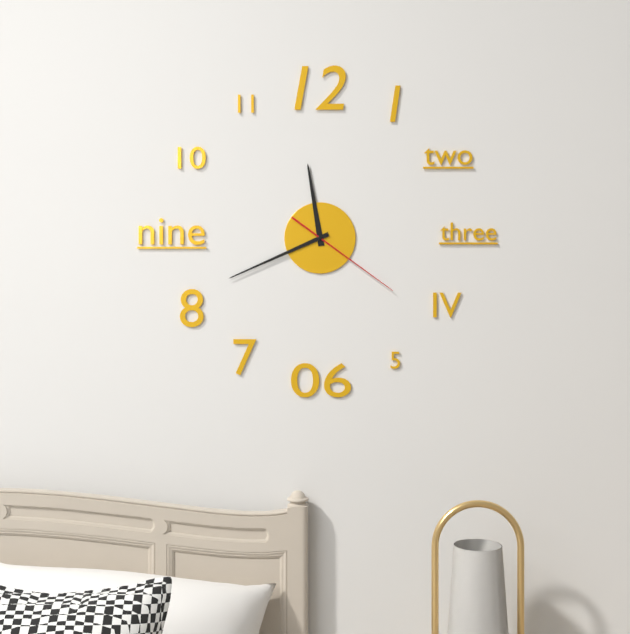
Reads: **11:41:21**
